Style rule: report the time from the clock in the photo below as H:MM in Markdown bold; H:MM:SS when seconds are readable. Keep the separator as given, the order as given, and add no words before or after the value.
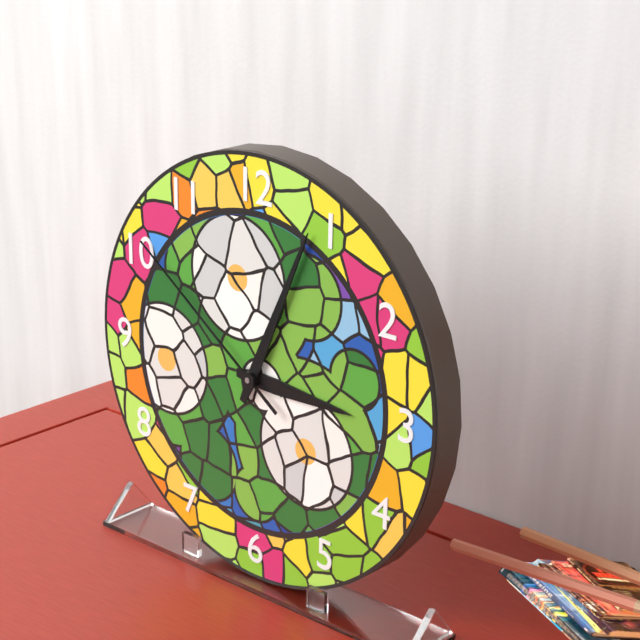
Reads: **3:04:51**
